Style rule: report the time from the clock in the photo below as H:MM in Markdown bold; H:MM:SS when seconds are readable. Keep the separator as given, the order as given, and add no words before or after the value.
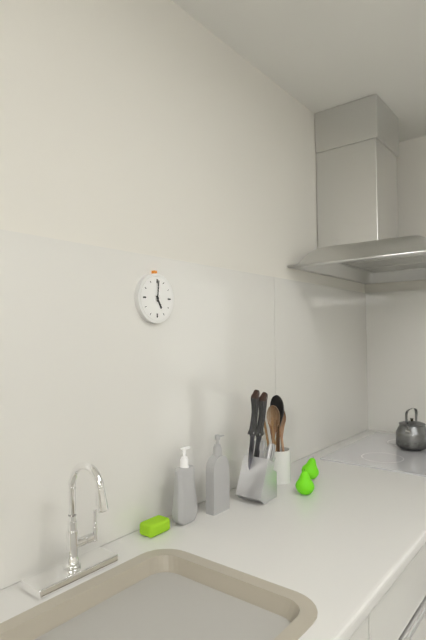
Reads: **5:01**
